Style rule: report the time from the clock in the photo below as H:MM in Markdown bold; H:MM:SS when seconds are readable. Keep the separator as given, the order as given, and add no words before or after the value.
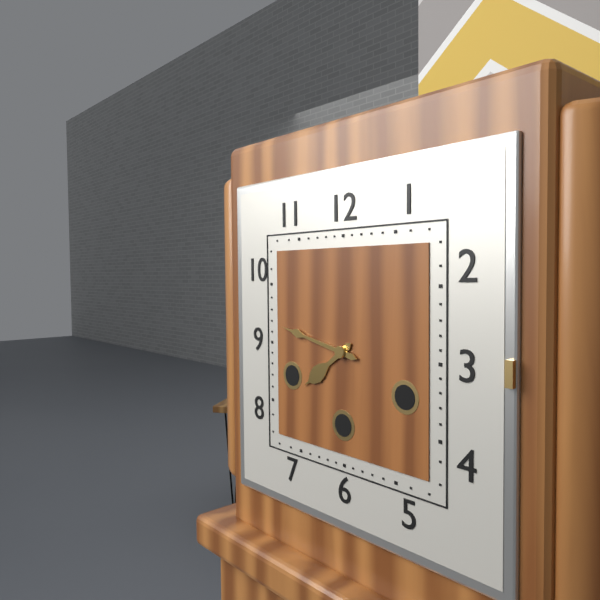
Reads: **7:47**
